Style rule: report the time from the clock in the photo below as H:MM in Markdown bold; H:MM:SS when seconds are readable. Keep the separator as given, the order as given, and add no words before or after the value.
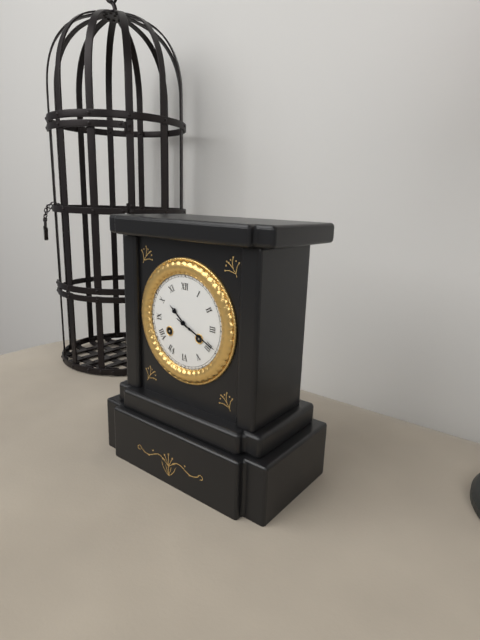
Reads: **10:19**
